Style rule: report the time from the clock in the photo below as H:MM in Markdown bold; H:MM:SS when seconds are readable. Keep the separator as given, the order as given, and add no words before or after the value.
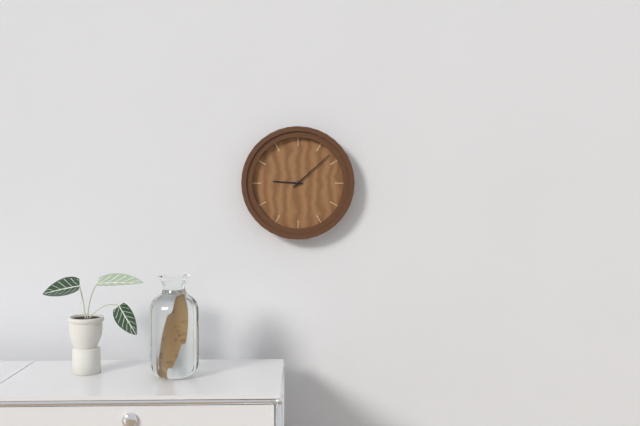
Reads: **9:08**
